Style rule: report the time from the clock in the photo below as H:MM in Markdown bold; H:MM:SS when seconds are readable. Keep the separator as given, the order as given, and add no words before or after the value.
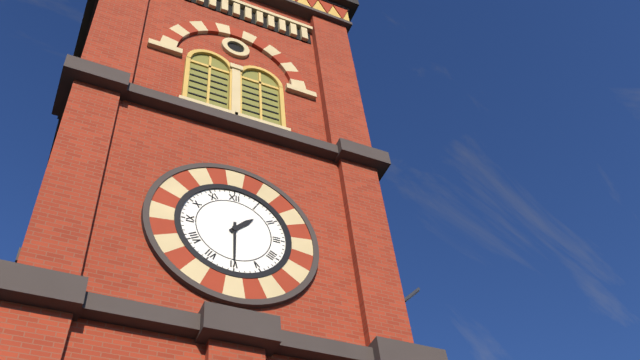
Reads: **1:30**
